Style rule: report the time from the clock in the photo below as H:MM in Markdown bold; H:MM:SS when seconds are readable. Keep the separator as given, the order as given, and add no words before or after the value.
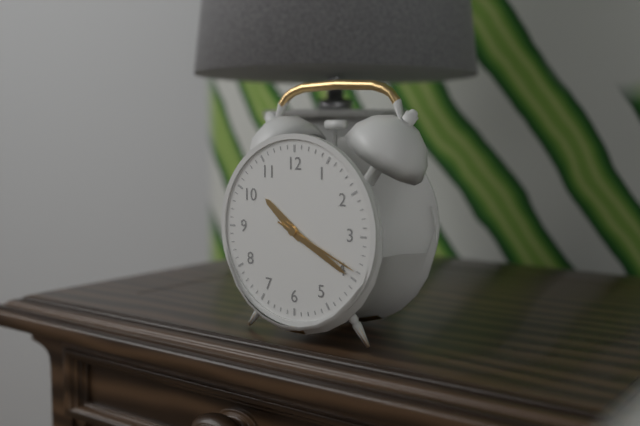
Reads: **10:20:19**
